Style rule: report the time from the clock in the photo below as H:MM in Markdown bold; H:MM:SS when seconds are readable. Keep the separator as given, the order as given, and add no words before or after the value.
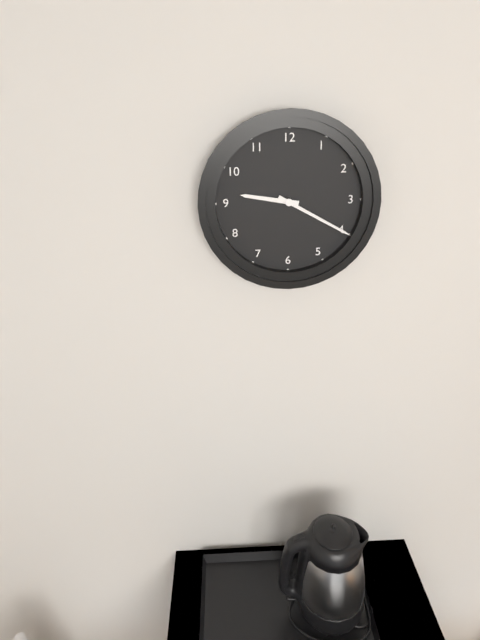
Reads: **9:20**
